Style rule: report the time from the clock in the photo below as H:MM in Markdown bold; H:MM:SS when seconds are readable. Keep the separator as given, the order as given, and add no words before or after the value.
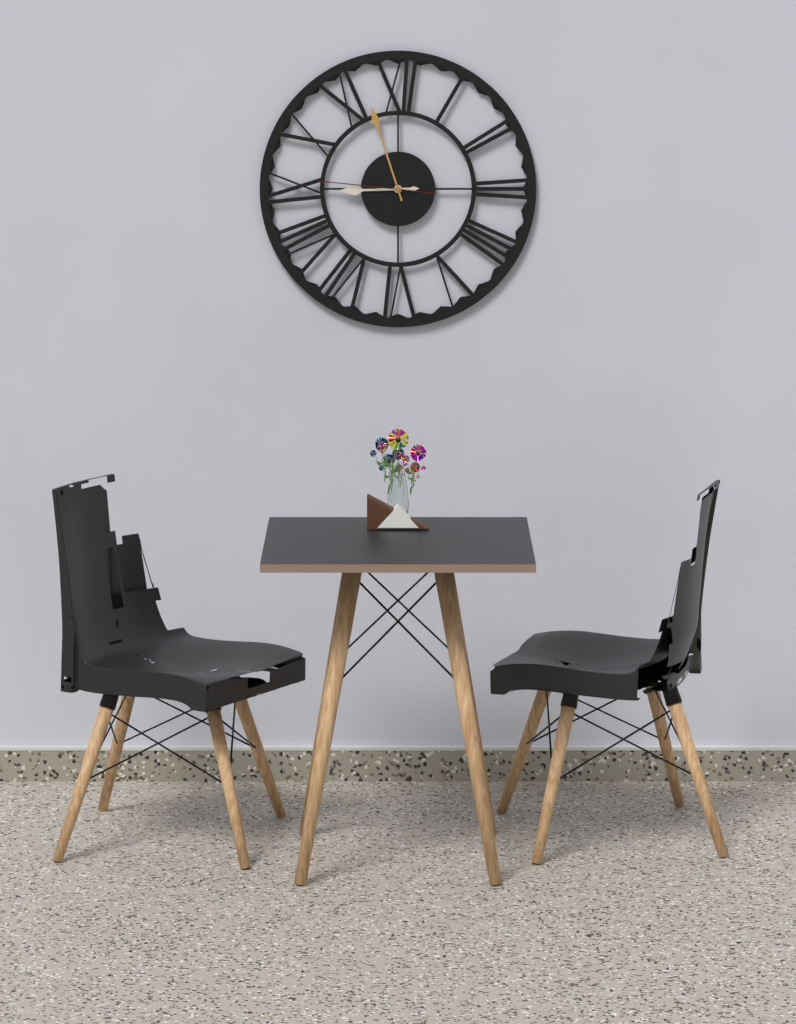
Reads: **8:57:46**
